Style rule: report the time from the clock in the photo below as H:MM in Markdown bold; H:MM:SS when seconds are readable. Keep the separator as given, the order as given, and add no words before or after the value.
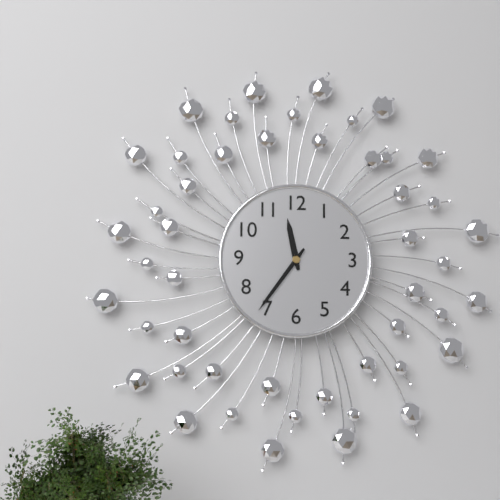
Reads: **11:36**
